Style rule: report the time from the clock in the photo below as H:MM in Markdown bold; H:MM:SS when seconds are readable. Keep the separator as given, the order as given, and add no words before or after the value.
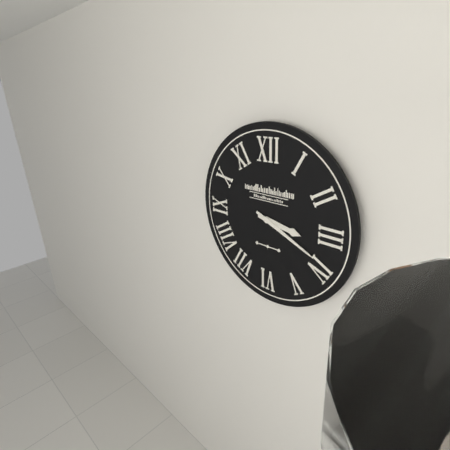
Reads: **3:19**
